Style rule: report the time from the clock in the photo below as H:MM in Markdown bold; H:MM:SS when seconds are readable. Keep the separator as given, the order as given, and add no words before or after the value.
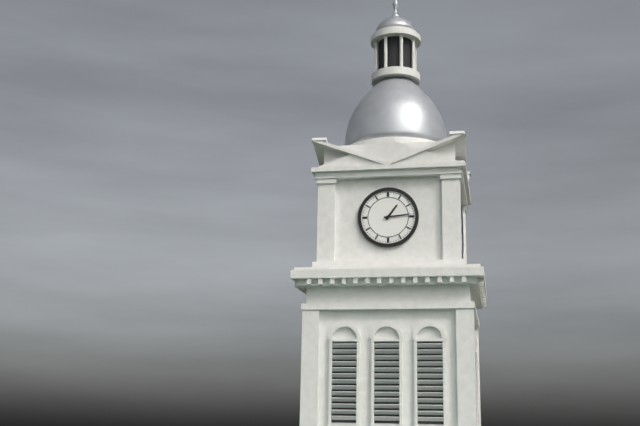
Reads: **1:14**
